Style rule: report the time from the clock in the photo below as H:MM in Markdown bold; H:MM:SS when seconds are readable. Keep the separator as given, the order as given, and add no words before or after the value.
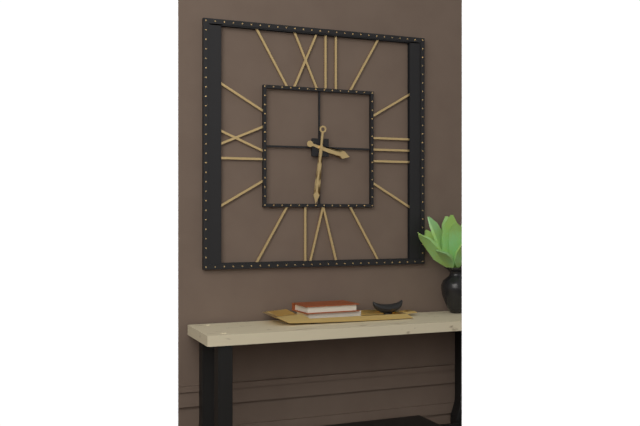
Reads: **3:31**
